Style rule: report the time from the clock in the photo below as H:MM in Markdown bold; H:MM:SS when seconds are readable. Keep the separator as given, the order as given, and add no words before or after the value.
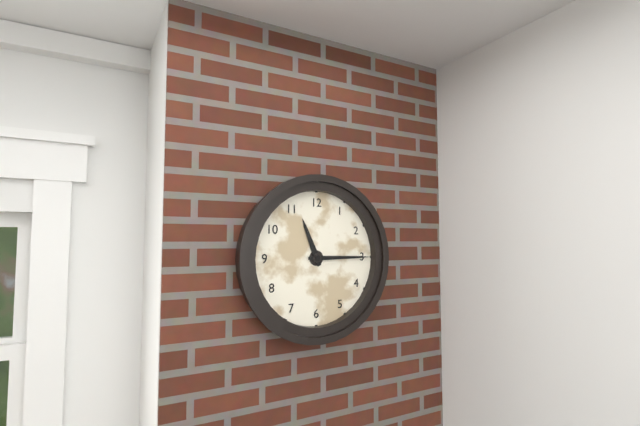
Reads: **11:15**
